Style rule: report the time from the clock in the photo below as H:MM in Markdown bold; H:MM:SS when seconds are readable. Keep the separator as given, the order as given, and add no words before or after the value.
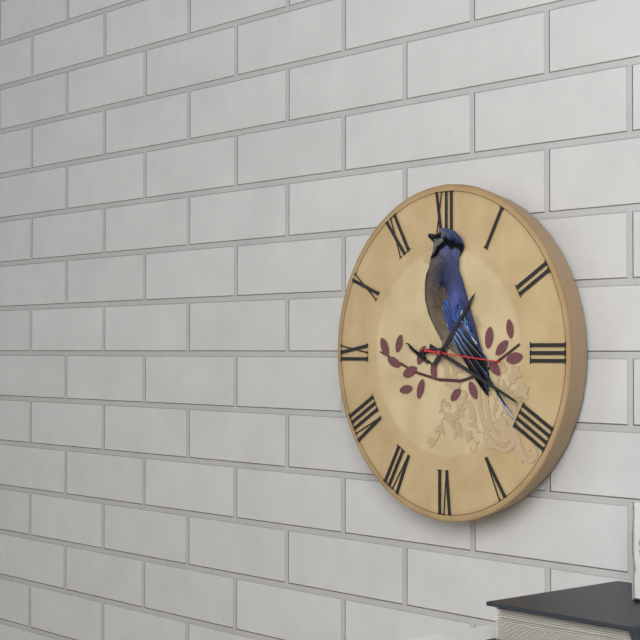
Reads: **1:19**
